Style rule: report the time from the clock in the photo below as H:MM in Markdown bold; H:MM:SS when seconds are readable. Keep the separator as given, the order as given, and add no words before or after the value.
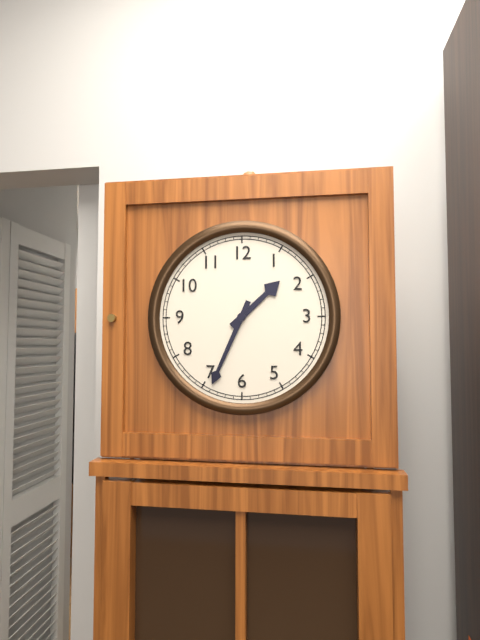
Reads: **1:34**
